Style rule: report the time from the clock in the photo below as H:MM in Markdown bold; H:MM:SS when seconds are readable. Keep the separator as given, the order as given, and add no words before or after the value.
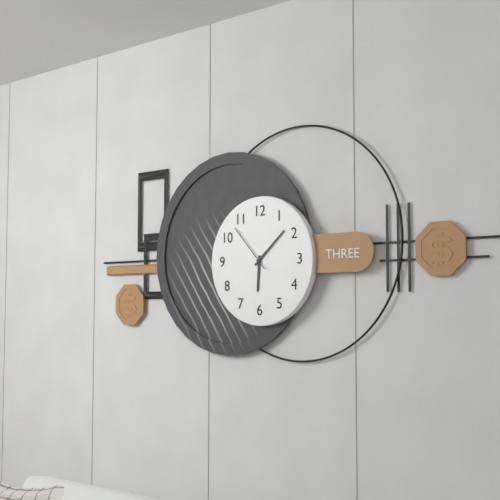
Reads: **6:08:53**
